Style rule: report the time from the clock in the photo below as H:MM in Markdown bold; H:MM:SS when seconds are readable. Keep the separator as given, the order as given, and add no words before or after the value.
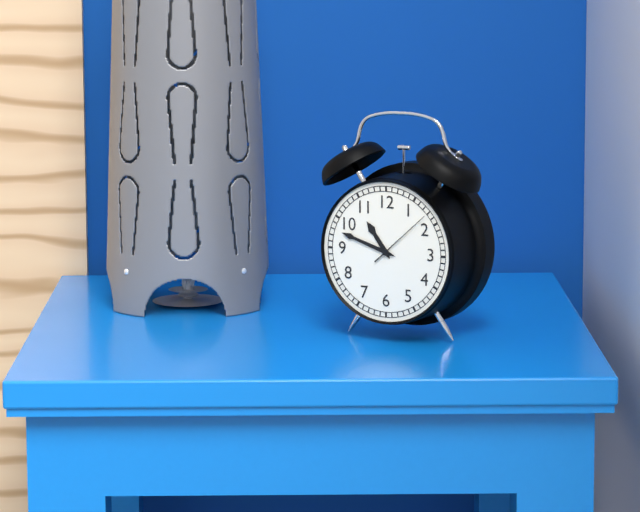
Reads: **10:48:08**
